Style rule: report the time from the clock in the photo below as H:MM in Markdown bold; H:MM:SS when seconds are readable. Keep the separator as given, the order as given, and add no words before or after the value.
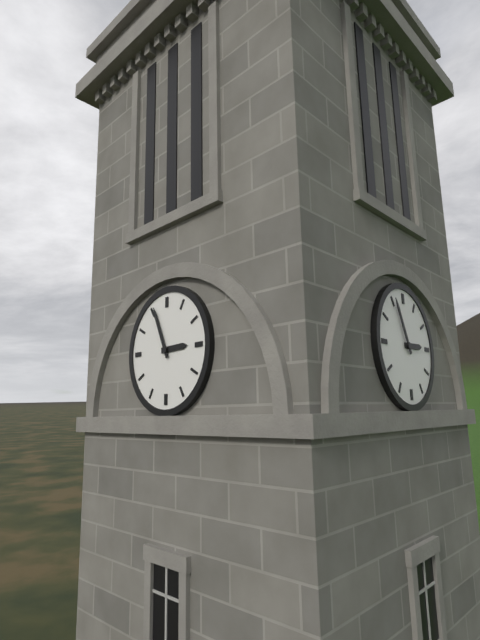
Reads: **2:56**
